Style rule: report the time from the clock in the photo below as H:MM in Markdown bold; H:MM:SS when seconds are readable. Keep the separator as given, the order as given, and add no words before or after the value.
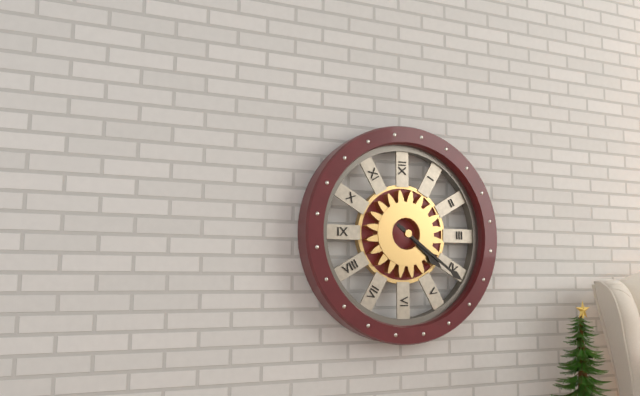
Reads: **4:21**
